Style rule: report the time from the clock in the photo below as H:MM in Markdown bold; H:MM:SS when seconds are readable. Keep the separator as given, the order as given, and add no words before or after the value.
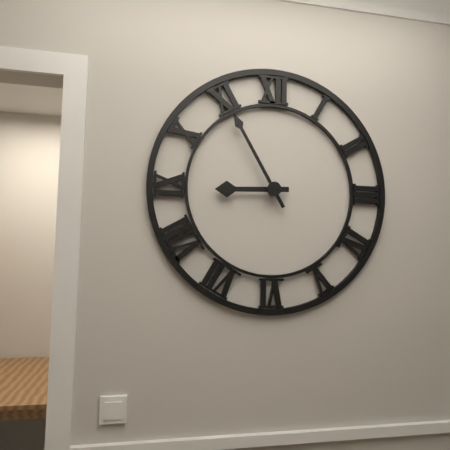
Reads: **8:55**
